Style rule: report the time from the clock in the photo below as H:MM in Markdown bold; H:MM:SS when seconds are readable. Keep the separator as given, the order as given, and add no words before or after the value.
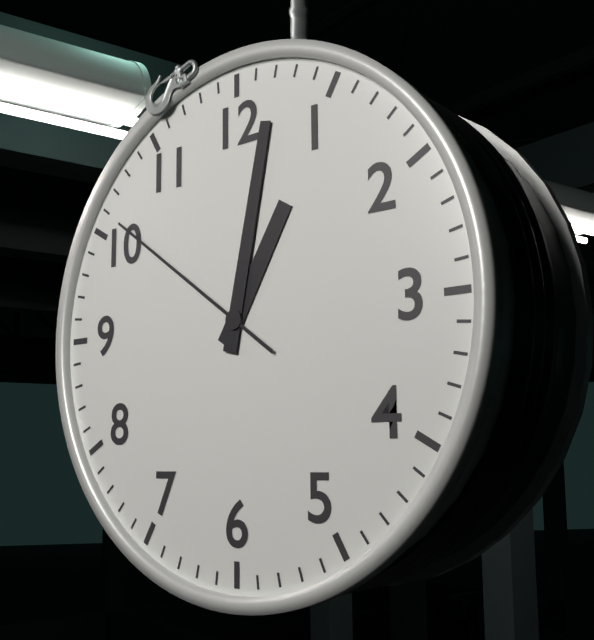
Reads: **1:02:51**
